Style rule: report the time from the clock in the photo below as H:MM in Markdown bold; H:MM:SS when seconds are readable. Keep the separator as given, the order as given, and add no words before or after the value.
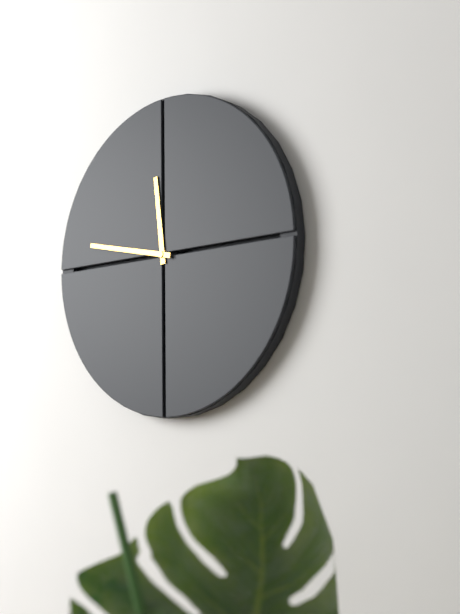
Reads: **11:47**
